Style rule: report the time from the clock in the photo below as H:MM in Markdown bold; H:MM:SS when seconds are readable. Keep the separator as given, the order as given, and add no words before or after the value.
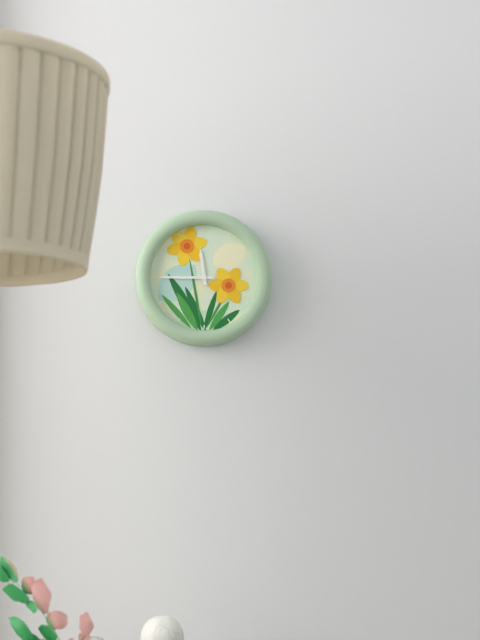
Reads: **11:45**
